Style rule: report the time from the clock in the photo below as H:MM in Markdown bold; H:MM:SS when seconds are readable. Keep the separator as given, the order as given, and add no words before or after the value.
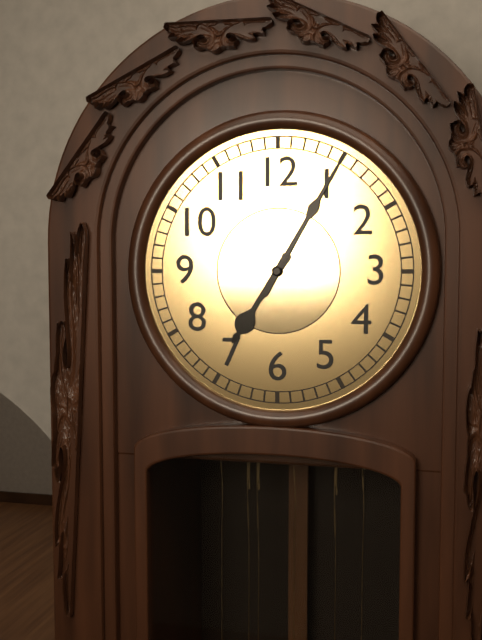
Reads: **7:05**
